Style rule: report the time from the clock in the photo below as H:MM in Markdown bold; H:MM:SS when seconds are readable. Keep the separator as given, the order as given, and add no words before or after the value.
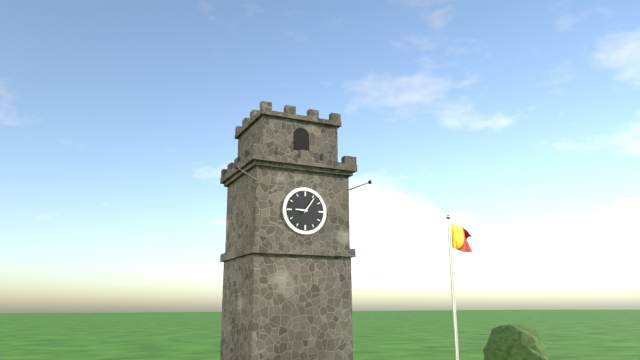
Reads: **9:06**
